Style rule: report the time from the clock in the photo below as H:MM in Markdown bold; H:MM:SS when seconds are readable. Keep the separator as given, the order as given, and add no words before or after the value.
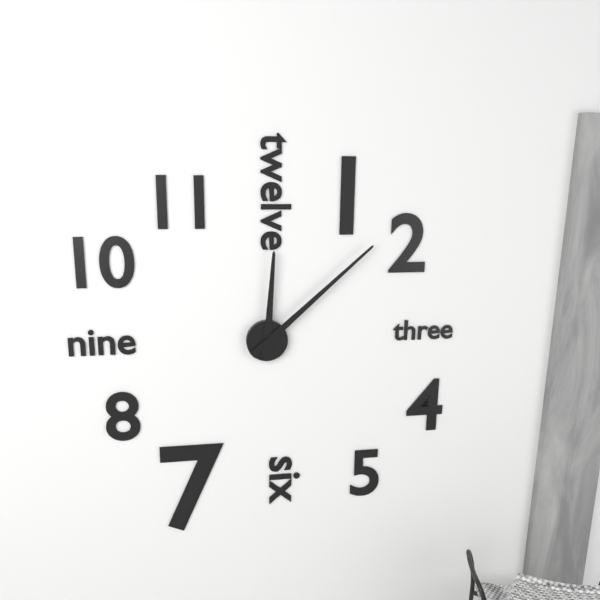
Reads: **12:08**
